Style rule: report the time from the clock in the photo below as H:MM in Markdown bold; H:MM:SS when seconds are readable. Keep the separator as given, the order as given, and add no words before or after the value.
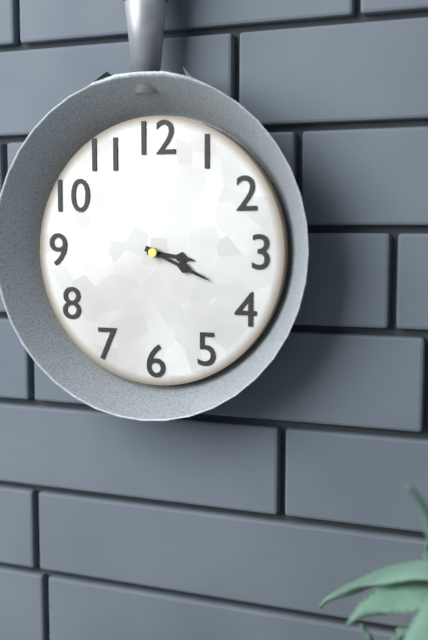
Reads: **3:19**
